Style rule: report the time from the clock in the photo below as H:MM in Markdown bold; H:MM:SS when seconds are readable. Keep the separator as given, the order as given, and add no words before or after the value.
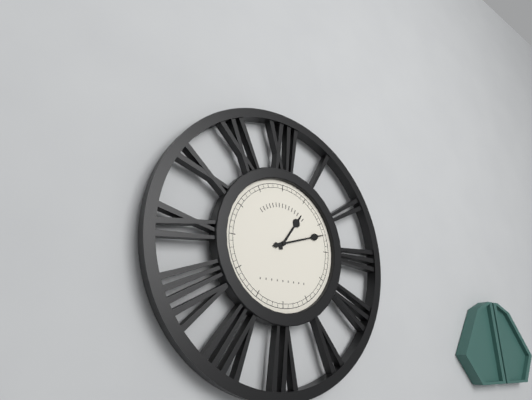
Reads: **1:12**
